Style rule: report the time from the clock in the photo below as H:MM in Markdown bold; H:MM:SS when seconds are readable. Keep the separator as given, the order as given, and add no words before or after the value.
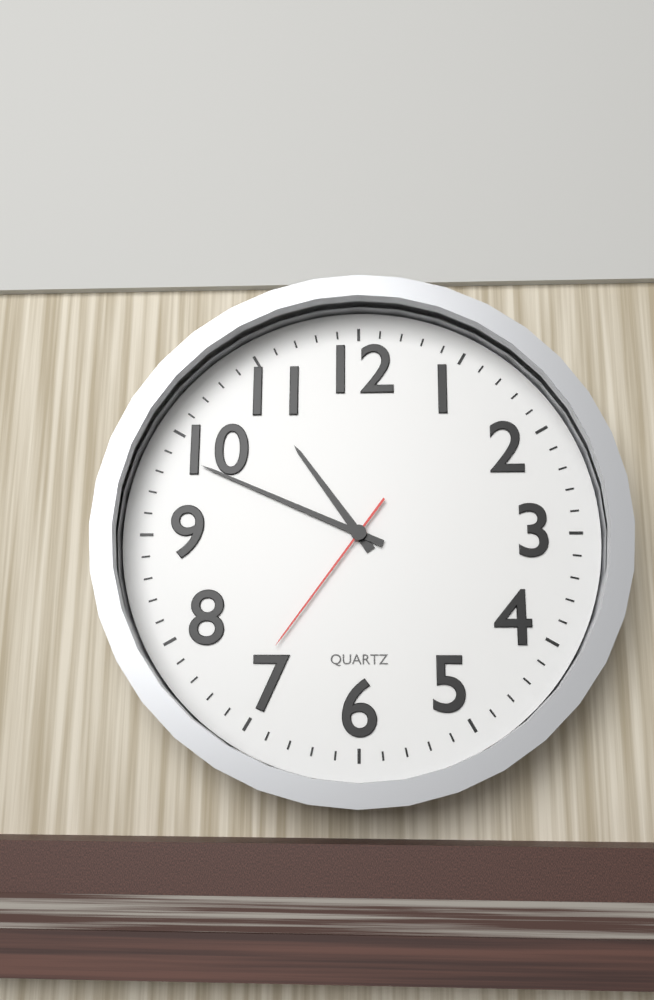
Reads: **10:49:36**
